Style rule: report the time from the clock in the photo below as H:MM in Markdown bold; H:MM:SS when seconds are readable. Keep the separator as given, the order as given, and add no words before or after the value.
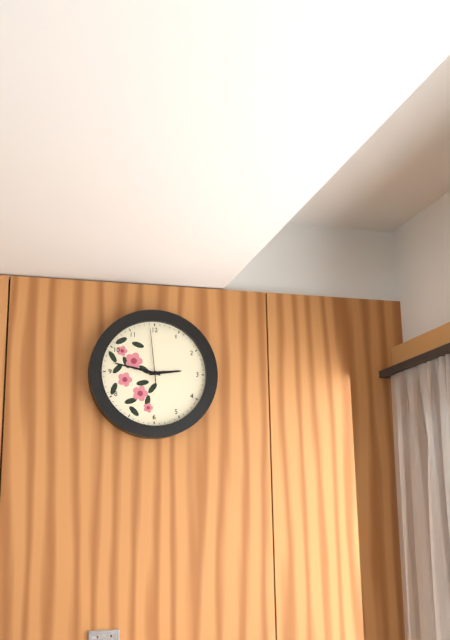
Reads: **2:47:59**
